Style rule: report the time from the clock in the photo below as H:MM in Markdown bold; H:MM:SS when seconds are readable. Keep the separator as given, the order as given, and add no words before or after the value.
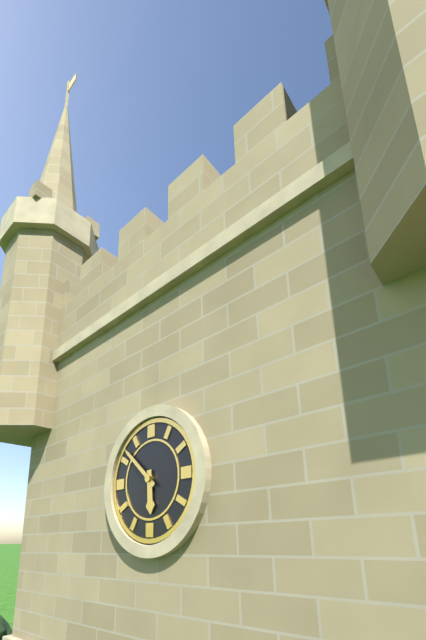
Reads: **5:52**
